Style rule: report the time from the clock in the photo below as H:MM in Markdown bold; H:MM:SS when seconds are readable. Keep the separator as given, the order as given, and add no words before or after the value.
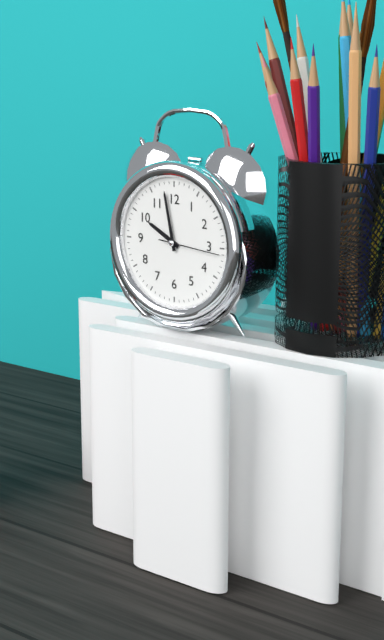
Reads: **9:58:16**
